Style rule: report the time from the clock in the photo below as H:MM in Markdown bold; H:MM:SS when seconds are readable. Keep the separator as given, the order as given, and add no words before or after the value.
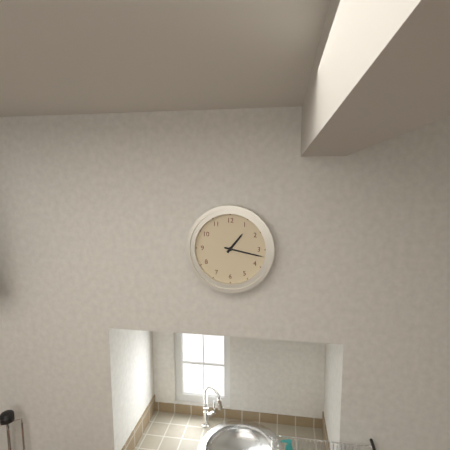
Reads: **1:17**
